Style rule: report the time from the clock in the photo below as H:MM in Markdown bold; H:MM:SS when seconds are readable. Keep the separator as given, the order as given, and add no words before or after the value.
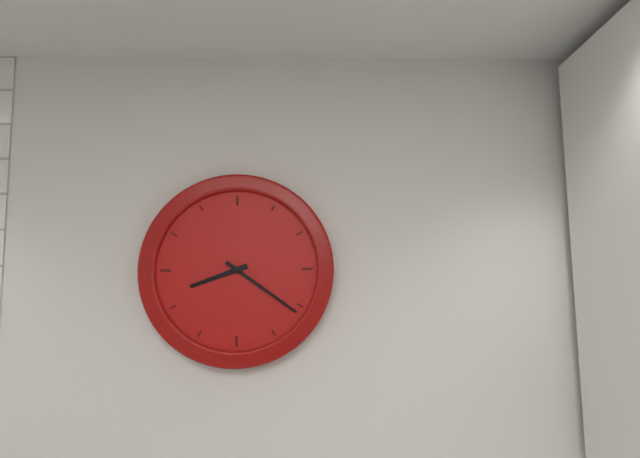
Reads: **8:21**
